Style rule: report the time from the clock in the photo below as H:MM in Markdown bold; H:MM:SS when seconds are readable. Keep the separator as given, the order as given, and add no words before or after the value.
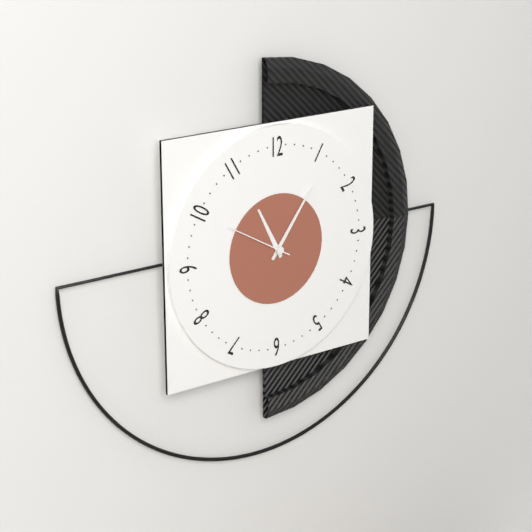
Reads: **11:06:50**
